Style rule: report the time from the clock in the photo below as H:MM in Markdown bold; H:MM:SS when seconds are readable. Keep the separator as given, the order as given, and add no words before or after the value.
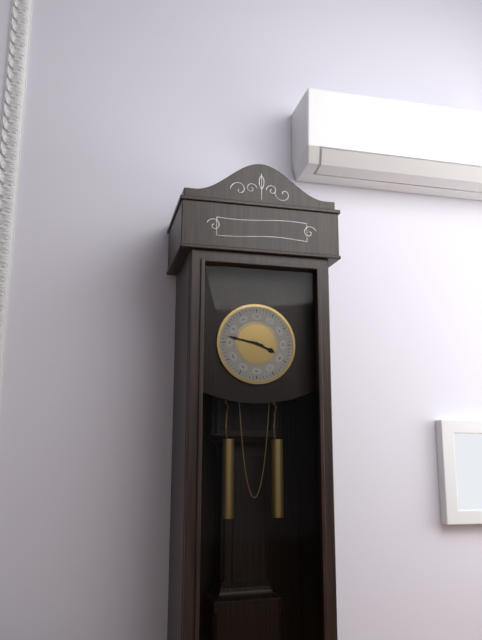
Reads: **3:47**
